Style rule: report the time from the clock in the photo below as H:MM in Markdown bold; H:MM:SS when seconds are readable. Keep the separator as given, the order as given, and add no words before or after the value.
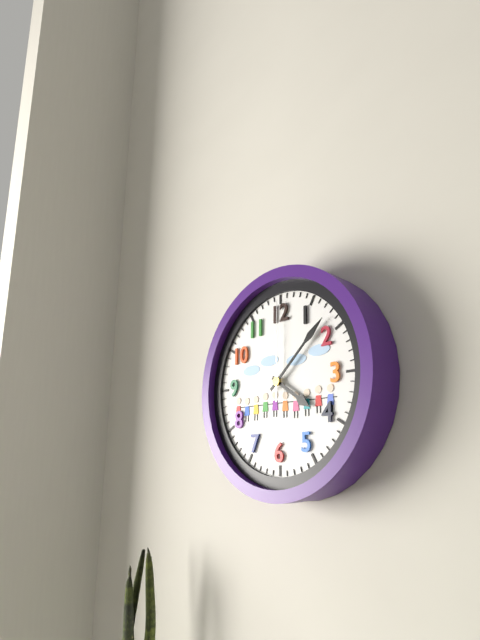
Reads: **4:08:00**
